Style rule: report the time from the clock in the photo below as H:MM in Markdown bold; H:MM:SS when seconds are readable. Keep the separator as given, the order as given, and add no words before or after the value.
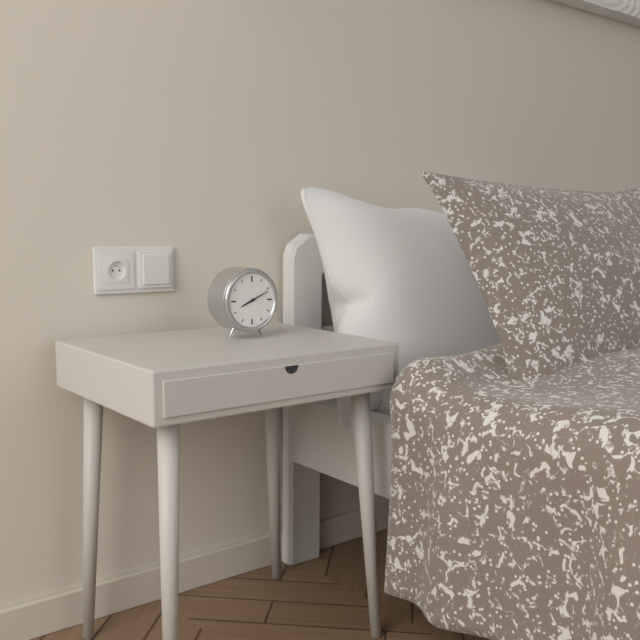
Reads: **8:11**
